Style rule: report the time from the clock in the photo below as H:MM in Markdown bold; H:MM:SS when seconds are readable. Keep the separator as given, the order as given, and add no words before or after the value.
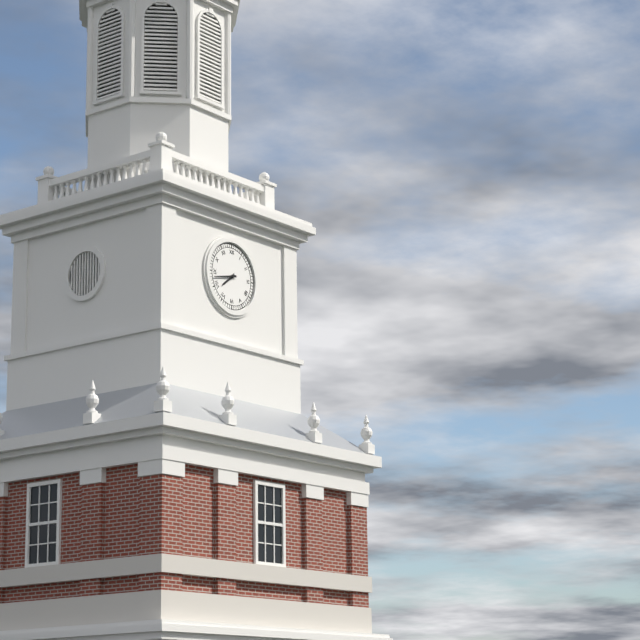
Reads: **7:43**
